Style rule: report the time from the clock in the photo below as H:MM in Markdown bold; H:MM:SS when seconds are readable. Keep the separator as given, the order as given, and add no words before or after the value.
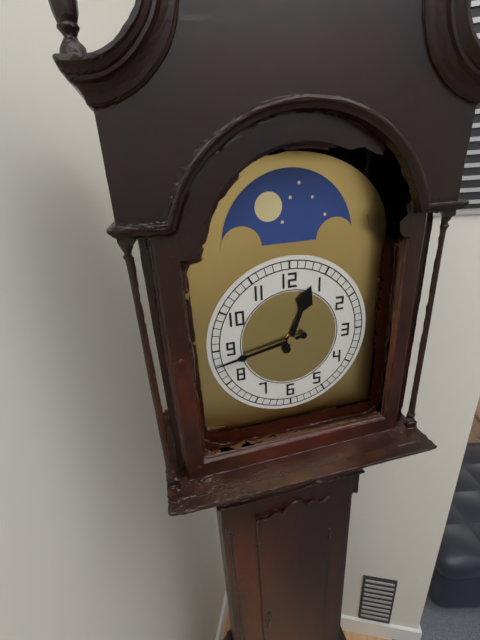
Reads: **12:43**
